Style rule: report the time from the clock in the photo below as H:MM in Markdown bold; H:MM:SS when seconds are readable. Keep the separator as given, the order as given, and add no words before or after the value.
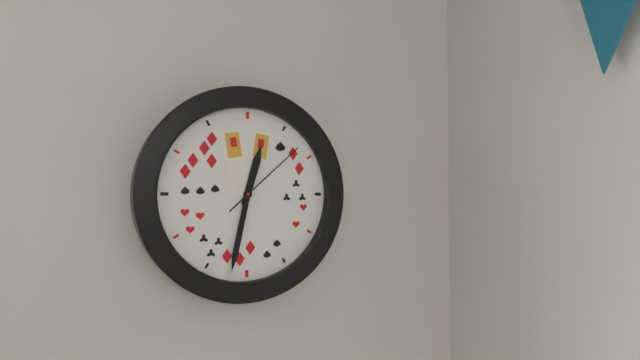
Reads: **12:32:08**
